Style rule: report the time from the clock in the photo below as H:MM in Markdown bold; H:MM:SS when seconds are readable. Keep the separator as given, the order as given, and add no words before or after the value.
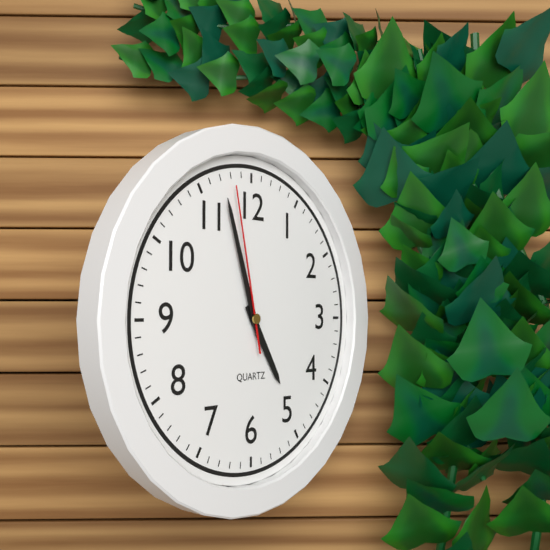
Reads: **4:57:58**
